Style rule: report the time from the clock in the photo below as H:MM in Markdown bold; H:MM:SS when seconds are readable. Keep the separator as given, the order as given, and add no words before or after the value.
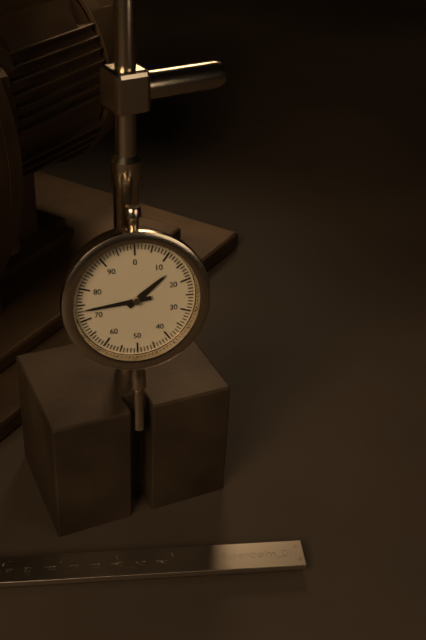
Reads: **1:44**
